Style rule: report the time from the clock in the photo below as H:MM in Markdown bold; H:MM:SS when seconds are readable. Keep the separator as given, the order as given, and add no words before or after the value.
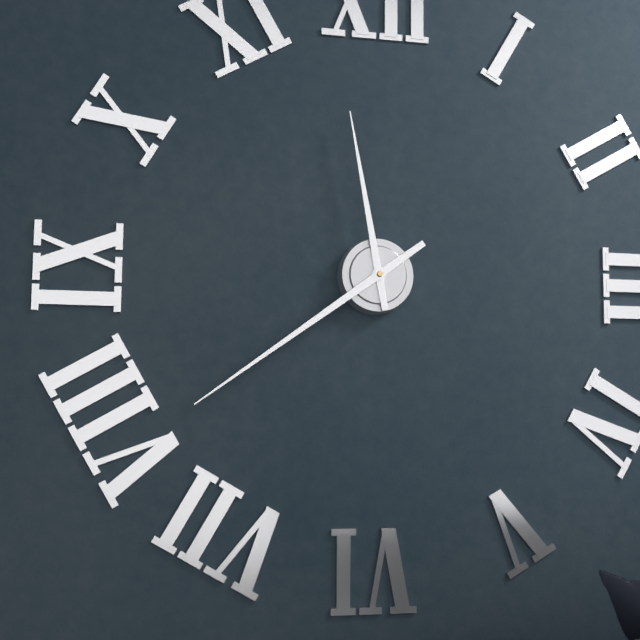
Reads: **11:39**
